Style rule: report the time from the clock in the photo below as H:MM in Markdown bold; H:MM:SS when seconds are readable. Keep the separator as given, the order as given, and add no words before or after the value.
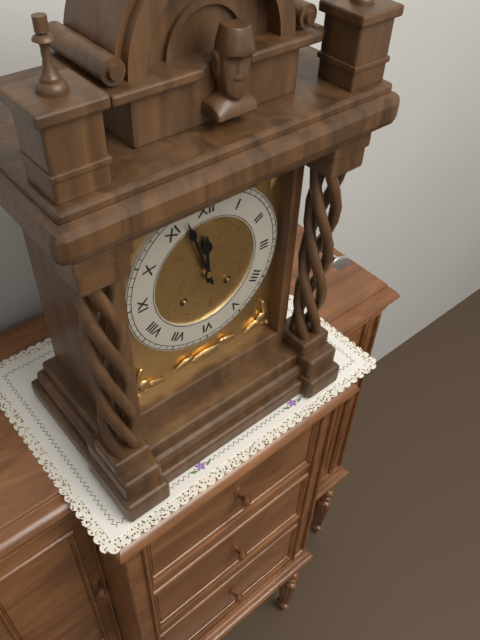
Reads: **11:57**
